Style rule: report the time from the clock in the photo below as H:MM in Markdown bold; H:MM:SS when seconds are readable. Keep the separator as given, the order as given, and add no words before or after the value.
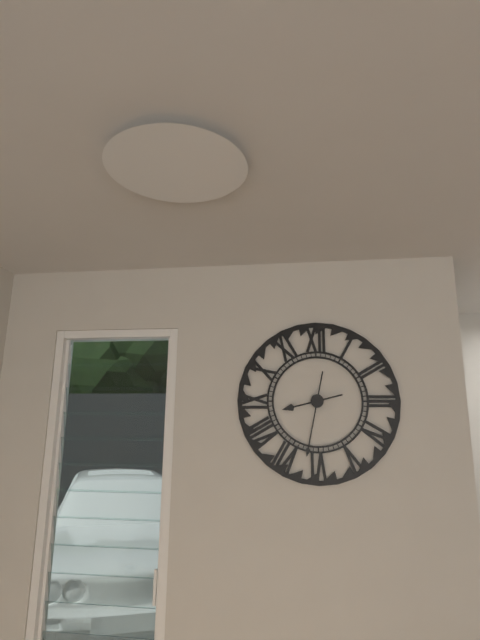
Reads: **8:32**
